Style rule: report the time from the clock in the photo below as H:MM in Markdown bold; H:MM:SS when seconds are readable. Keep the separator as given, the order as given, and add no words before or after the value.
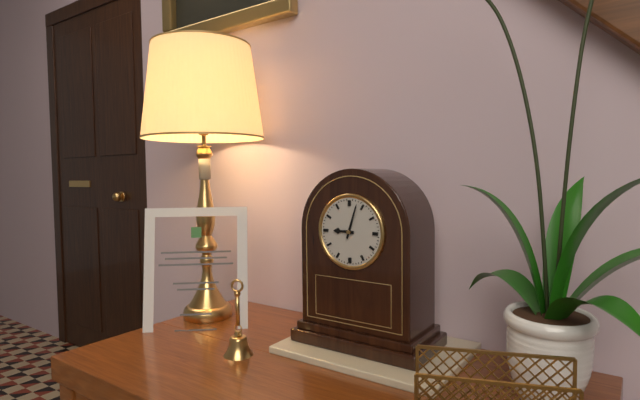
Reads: **9:03**
